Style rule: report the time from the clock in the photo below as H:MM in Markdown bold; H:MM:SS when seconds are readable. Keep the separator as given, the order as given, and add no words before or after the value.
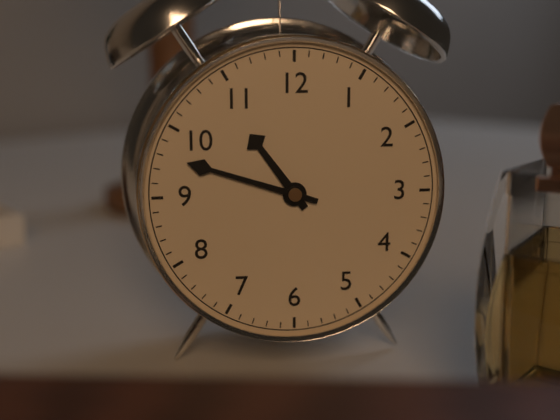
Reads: **10:48**
